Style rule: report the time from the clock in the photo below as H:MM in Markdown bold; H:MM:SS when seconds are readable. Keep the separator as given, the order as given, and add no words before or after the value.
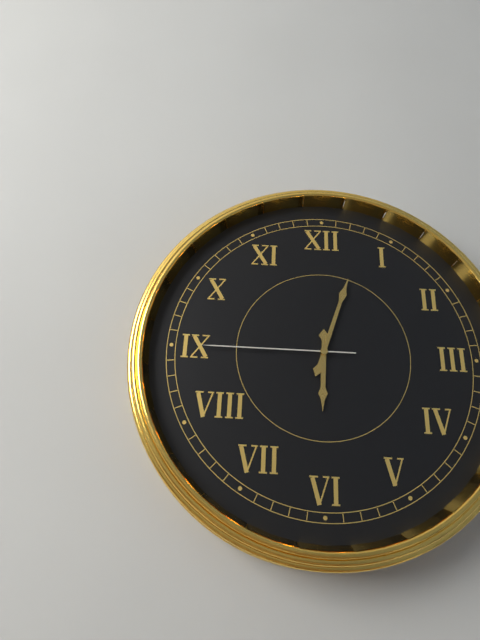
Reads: **6:03:45**
